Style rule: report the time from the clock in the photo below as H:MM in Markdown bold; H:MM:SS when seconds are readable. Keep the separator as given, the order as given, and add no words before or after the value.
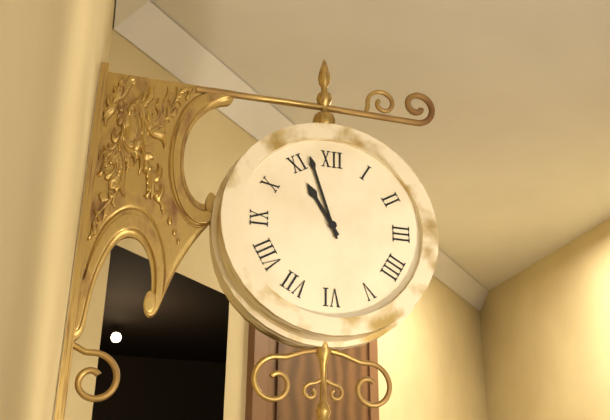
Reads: **10:57**
